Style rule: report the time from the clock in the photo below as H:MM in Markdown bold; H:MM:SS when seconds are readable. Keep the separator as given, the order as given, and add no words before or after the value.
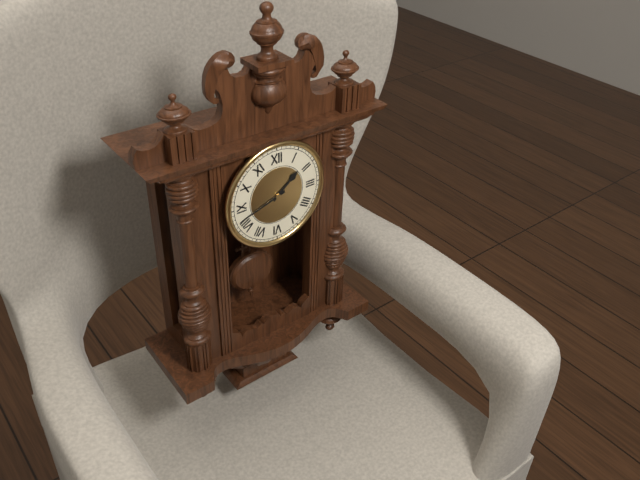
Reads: **1:42**
